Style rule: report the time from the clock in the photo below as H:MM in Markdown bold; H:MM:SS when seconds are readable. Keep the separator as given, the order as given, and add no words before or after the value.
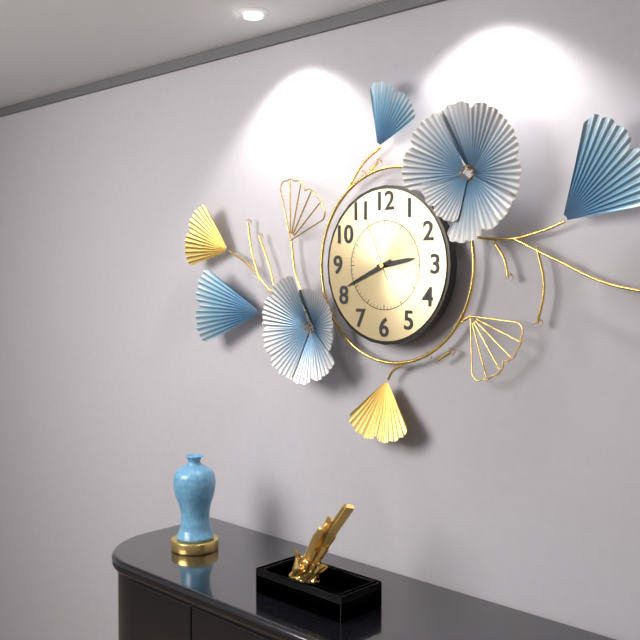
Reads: **2:41:56**
